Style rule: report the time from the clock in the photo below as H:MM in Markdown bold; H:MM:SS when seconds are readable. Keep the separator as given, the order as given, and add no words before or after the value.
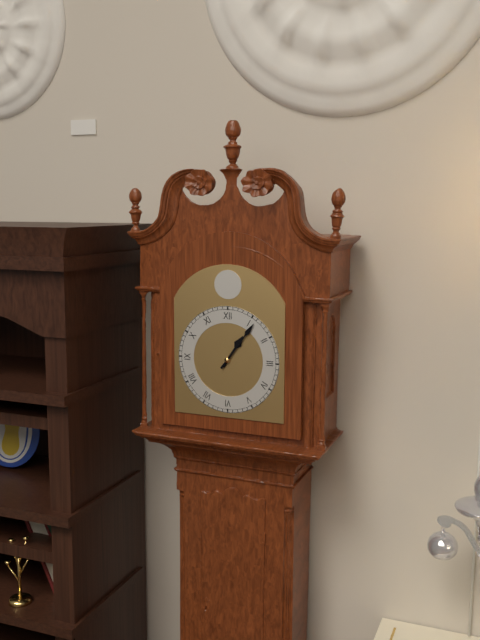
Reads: **1:06**
